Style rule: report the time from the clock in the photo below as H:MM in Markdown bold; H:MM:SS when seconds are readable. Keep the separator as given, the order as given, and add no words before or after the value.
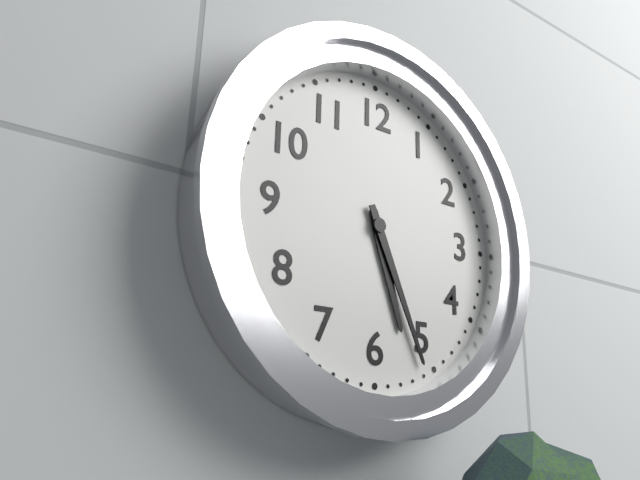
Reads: **5:26**
